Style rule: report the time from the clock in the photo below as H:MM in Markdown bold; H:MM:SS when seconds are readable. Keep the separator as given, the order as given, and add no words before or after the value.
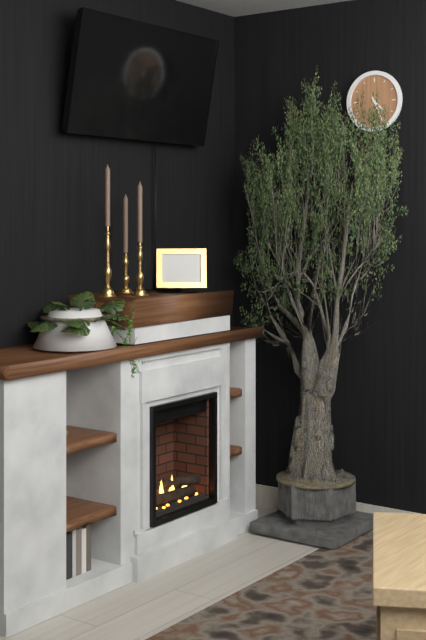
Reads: **4:26**
